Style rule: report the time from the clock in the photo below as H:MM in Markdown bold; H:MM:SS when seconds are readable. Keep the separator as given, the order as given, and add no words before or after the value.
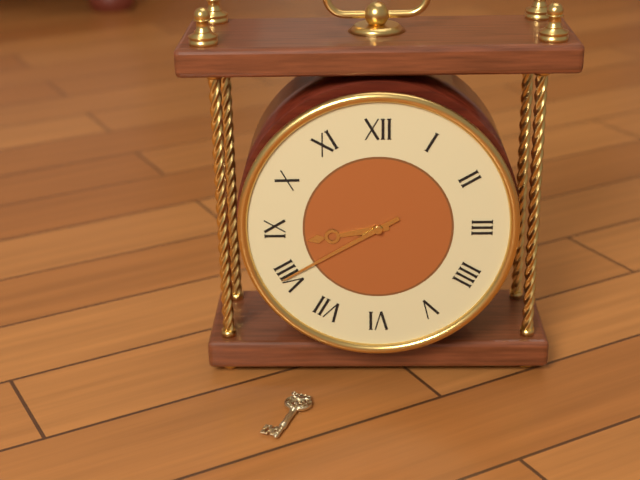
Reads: **8:40**
